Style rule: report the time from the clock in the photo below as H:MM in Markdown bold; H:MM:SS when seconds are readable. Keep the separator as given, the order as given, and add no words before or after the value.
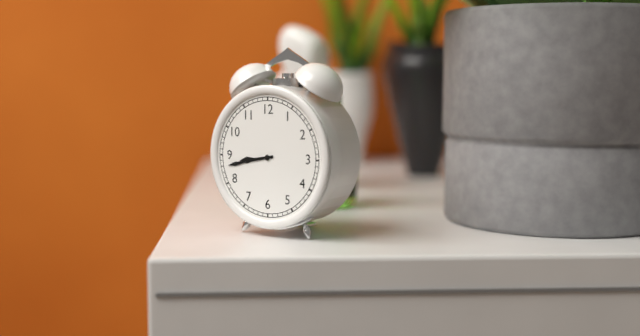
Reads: **8:43**
